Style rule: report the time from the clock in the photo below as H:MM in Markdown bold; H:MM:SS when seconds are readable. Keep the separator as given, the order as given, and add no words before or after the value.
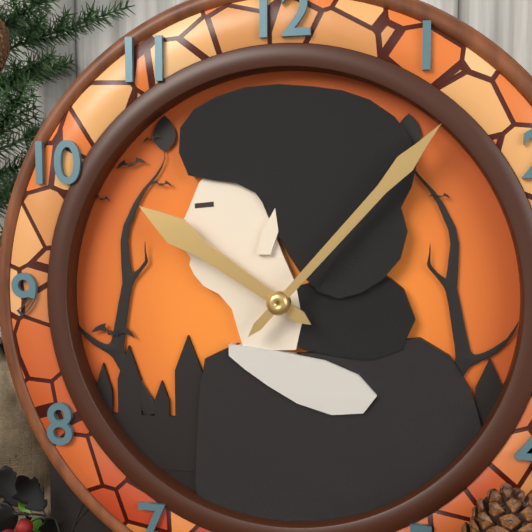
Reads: **10:07**
